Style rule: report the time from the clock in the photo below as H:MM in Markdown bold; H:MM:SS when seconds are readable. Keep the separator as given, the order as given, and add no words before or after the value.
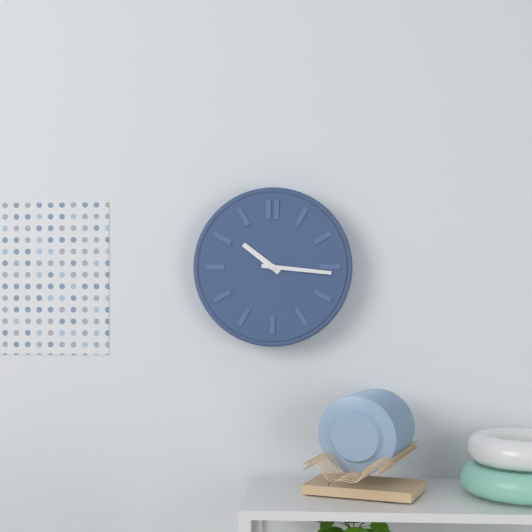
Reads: **10:16**
